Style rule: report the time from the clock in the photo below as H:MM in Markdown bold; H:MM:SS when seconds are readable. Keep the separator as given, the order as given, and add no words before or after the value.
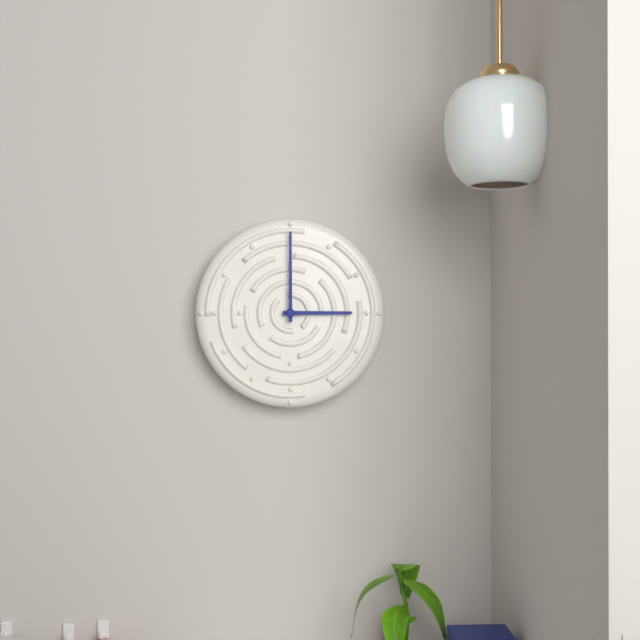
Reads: **3:00**
